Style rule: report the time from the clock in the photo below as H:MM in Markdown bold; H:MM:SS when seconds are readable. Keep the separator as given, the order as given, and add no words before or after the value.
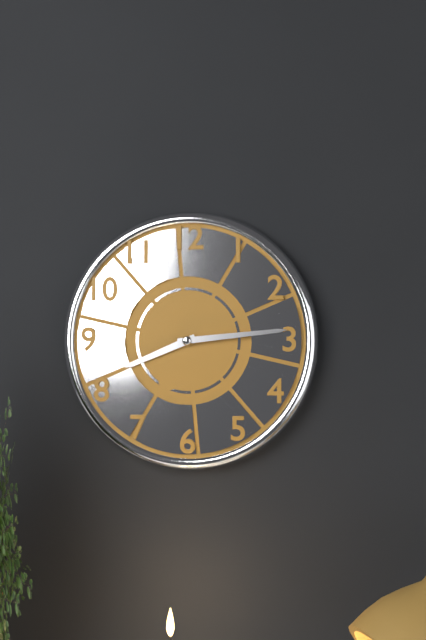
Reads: **8:14**
